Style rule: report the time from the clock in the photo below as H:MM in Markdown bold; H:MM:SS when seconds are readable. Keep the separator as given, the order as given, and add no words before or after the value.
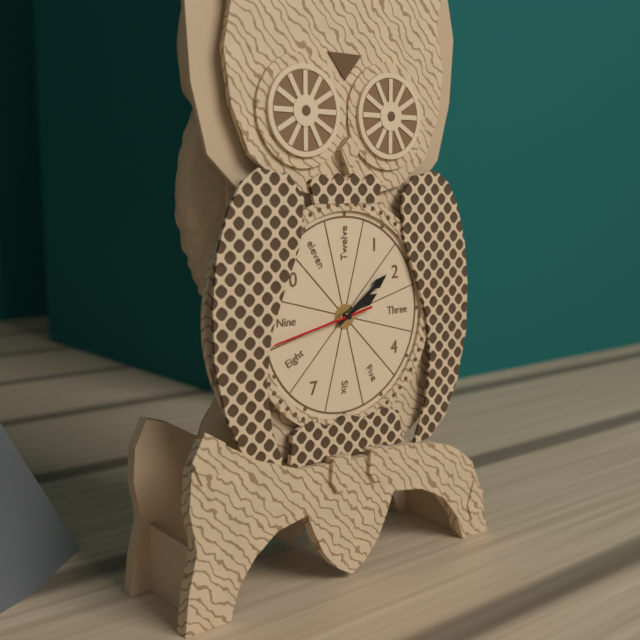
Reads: **2:09:43**
